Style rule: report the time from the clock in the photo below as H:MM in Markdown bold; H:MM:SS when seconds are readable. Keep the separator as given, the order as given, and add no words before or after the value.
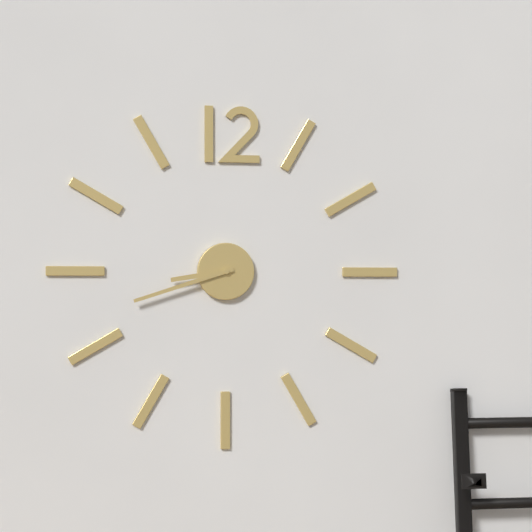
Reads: **8:42**
